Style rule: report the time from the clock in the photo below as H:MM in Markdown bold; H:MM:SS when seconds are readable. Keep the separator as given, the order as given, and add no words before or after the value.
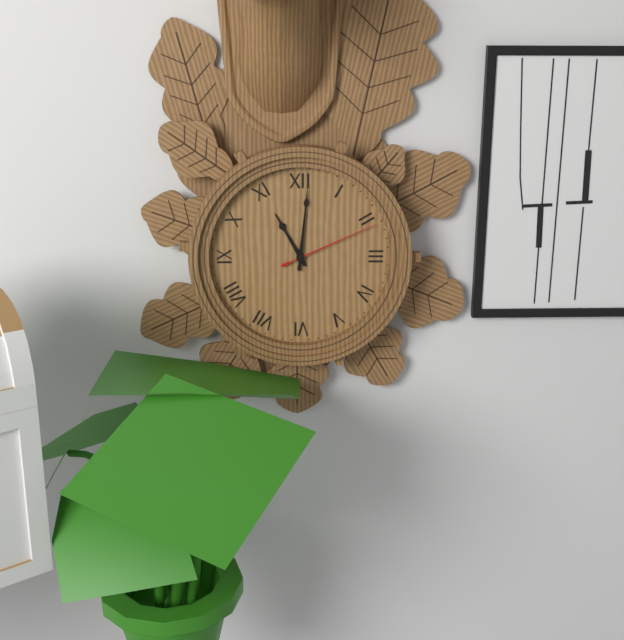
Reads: **11:01:11**
